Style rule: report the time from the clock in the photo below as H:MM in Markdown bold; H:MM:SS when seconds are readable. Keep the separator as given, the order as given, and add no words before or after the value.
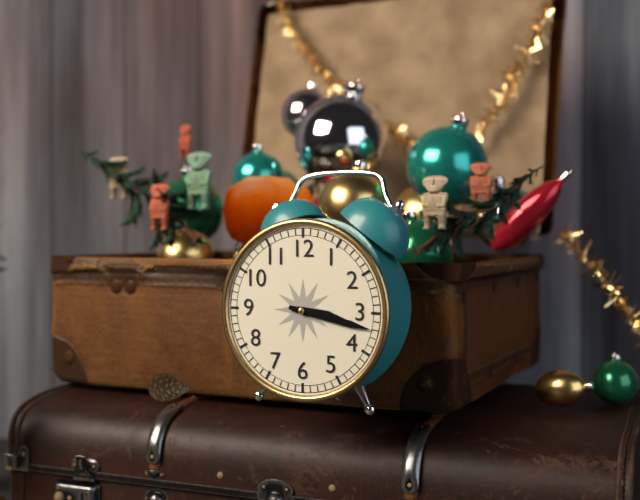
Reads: **3:17**
